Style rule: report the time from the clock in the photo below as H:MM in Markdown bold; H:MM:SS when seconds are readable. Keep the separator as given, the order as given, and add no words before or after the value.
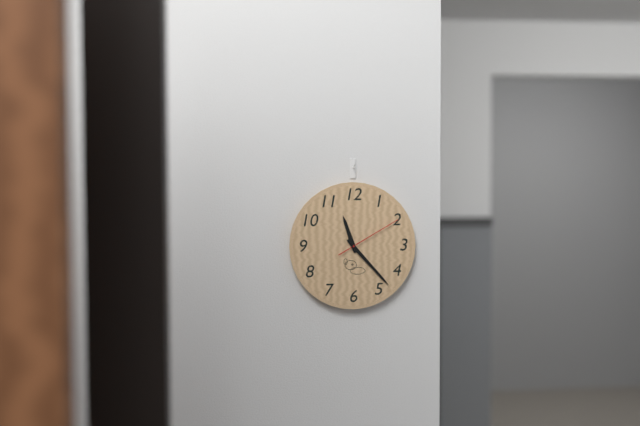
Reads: **11:23:10**
